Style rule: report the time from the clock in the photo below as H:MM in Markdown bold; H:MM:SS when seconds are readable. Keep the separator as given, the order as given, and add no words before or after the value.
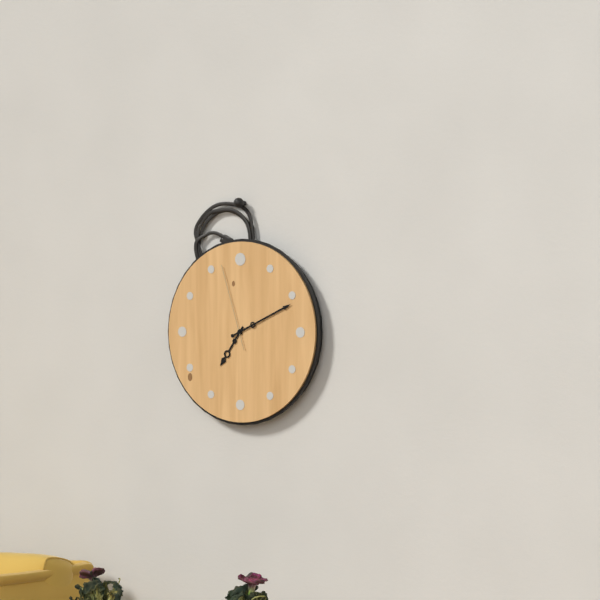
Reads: **7:11:57**
